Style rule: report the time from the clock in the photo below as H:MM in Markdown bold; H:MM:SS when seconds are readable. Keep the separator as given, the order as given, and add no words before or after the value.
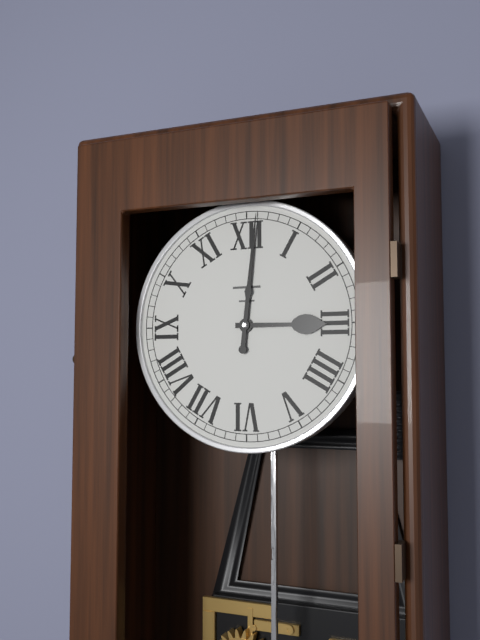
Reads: **3:01**
